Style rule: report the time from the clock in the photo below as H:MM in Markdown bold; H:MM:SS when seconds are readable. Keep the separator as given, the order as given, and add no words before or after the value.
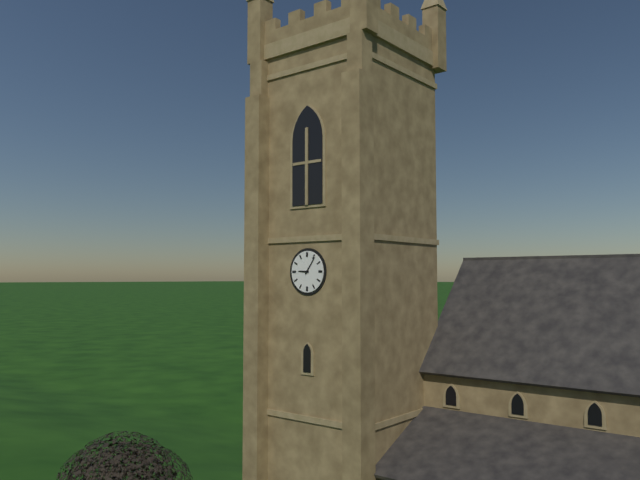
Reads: **9:06**
